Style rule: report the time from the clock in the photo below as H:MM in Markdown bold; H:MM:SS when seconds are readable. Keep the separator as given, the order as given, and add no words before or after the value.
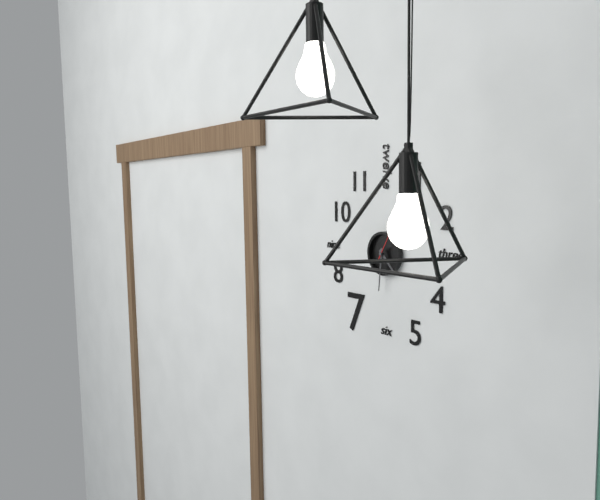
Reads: **4:31**
